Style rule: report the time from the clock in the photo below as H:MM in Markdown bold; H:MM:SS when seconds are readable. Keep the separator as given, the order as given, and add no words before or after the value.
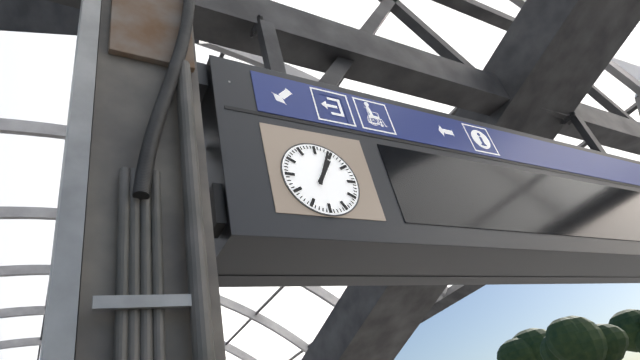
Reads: **1:04**
